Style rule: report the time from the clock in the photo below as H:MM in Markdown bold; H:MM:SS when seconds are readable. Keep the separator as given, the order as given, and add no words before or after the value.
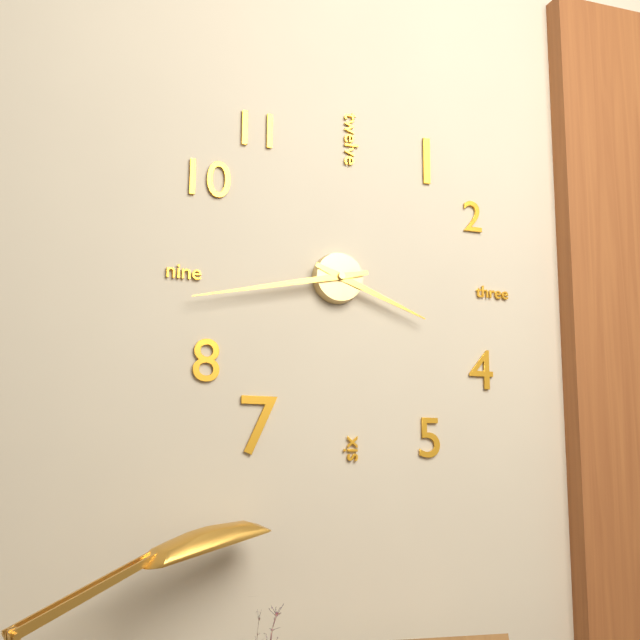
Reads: **3:43**
